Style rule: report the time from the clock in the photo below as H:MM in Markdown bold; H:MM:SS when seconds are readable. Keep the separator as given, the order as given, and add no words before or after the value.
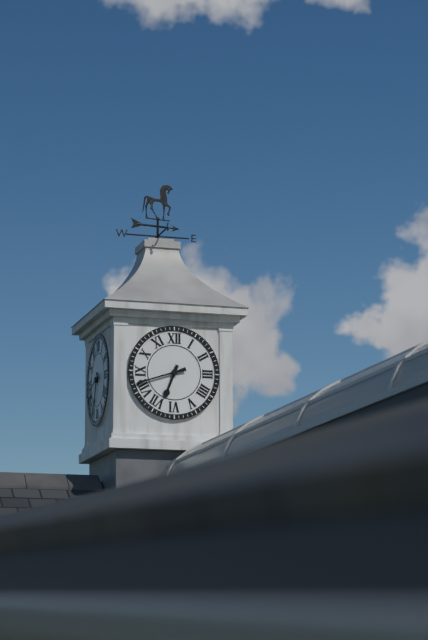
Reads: **6:42**
